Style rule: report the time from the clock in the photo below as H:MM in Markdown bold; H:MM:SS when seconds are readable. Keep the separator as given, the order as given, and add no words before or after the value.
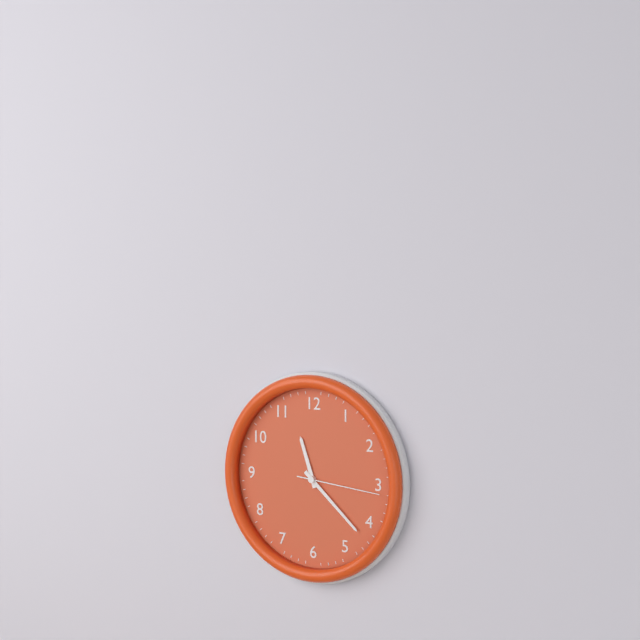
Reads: **11:22:16**
